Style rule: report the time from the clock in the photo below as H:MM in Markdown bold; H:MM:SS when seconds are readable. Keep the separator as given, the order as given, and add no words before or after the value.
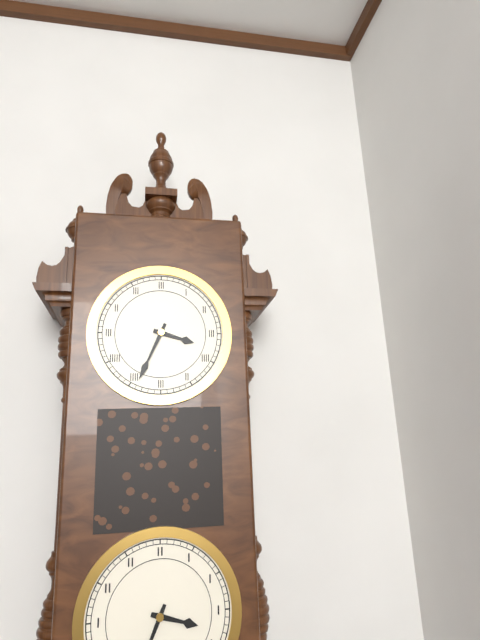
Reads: **3:34**
